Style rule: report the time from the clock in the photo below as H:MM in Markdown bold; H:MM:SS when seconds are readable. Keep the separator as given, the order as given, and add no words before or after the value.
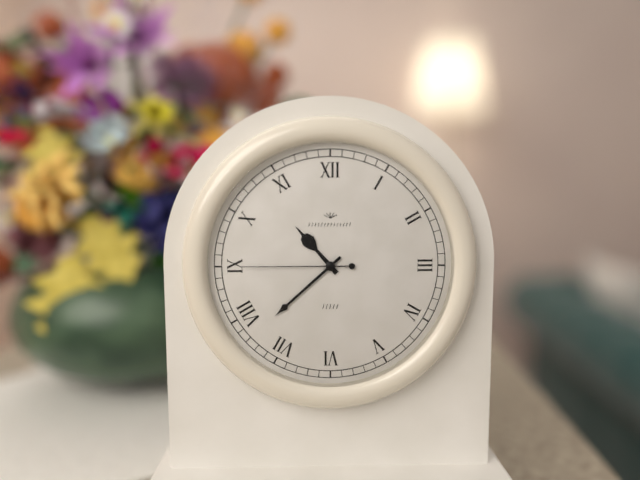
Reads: **10:38:45**
